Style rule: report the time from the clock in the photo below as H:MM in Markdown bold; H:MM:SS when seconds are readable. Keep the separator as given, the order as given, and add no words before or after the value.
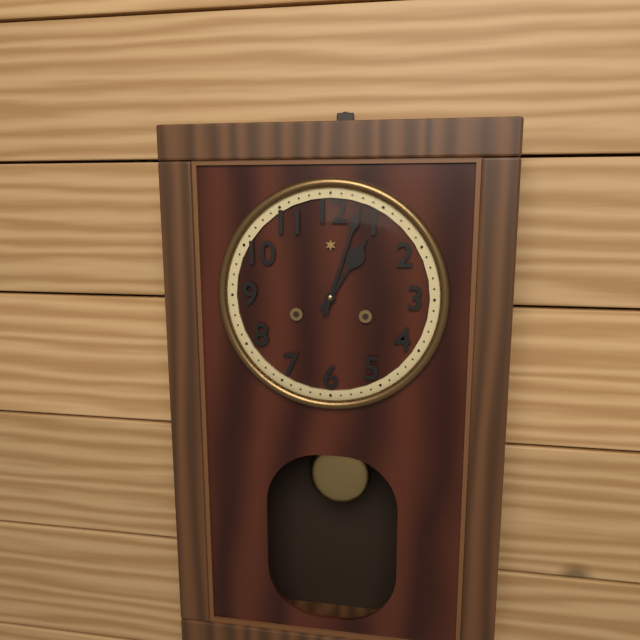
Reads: **1:03**
